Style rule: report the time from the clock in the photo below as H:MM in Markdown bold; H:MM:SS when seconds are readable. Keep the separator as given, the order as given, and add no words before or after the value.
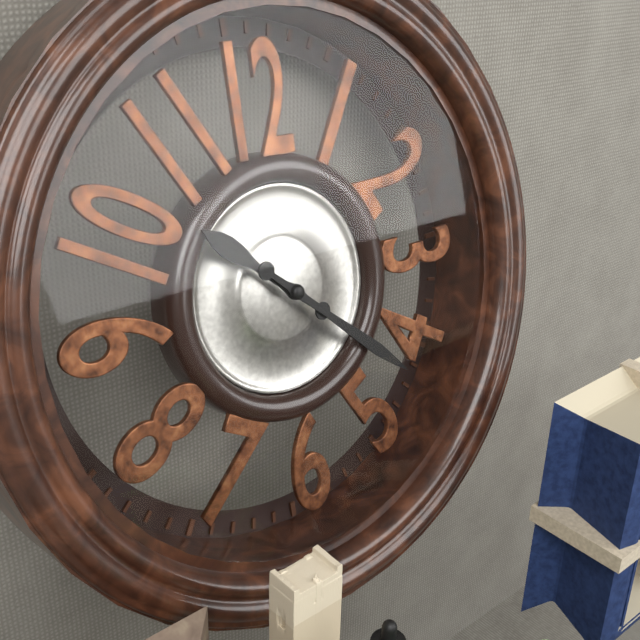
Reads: **10:22**
